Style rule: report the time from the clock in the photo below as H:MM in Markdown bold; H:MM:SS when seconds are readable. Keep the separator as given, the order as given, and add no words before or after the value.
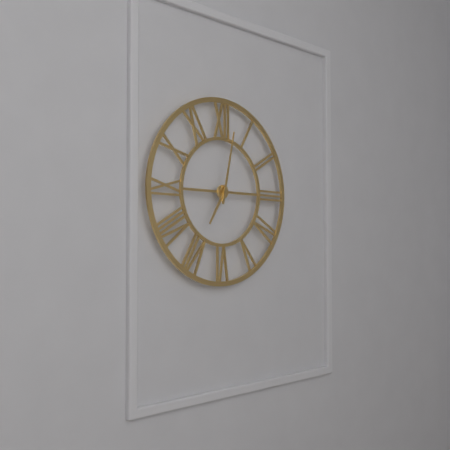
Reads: **7:02**
